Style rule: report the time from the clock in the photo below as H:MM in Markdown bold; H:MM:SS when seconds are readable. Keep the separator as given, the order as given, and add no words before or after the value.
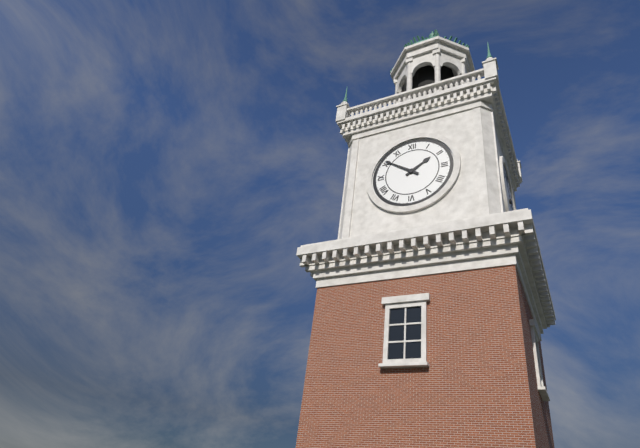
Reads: **1:51**
